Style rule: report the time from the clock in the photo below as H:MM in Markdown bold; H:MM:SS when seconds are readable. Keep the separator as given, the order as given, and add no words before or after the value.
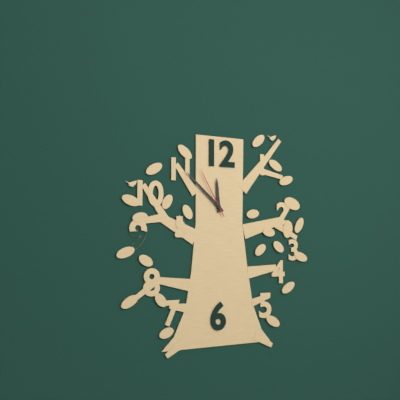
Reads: **11:52:55**
